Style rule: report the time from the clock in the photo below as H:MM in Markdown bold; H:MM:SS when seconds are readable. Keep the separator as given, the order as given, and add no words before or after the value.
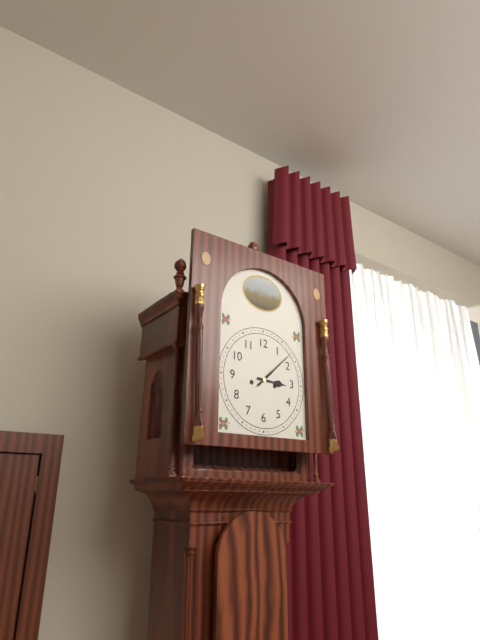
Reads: **3:08**
